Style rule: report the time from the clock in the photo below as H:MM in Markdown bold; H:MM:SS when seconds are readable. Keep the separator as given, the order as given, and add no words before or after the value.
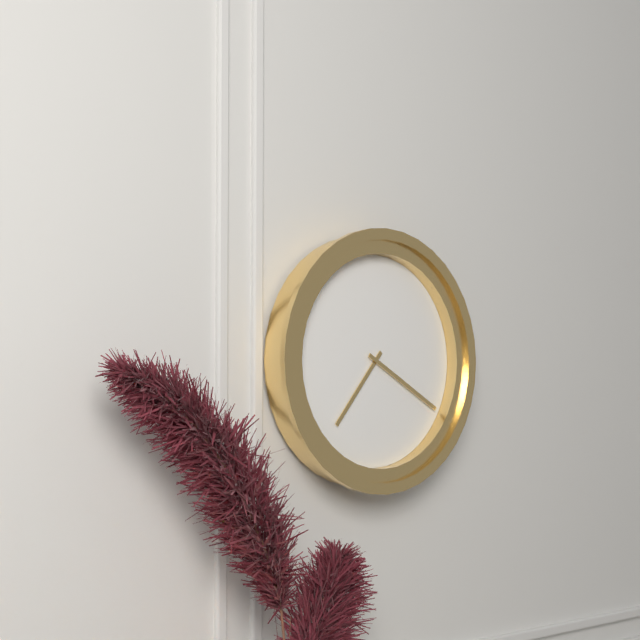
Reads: **7:20**
